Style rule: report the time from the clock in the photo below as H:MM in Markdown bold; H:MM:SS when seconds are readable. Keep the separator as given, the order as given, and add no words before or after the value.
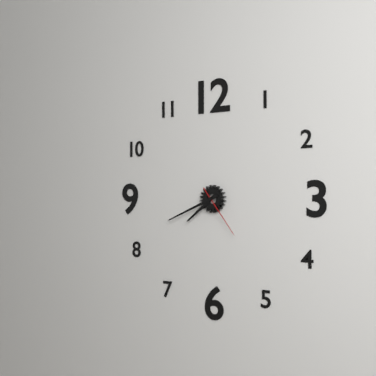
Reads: **7:41:24**
